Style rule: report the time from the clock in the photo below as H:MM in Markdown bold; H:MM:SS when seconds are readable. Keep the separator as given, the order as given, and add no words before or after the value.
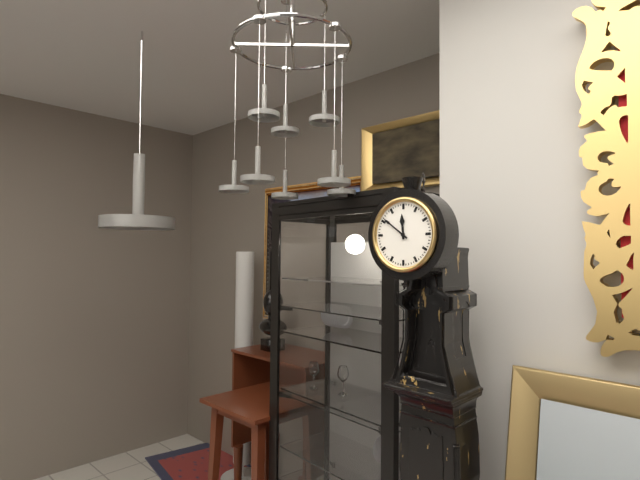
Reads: **11:51**
